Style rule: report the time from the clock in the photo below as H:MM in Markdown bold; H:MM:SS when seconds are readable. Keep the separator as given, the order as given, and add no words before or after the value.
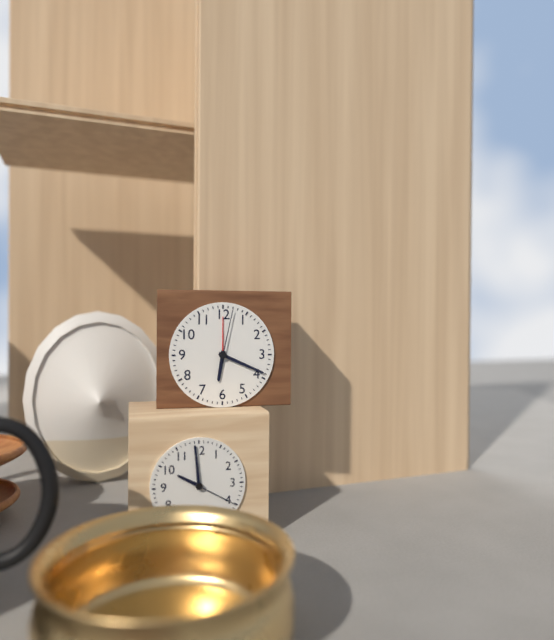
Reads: **6:19:02**
